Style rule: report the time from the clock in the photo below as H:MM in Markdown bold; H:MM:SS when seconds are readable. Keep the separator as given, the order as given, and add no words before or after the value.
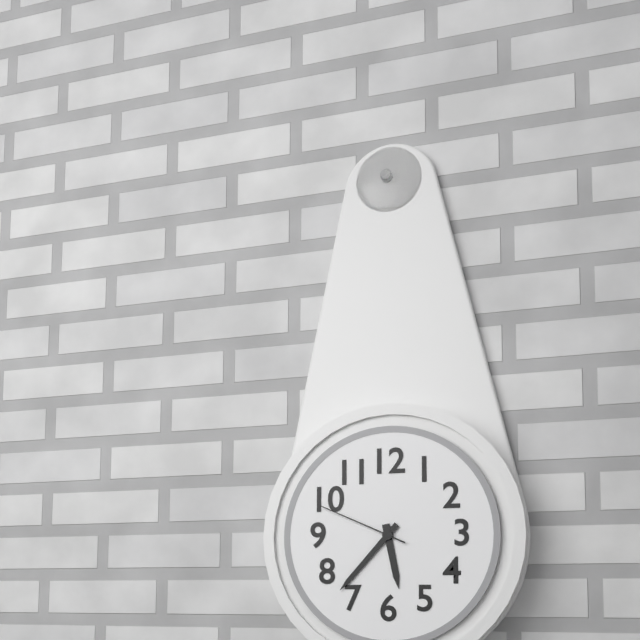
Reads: **5:37:49**
